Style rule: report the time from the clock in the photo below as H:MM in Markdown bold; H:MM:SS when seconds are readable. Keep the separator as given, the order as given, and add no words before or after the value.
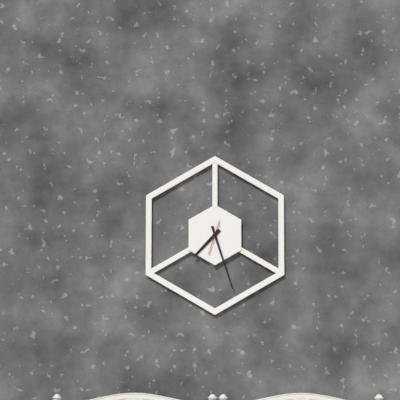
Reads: **7:27**
